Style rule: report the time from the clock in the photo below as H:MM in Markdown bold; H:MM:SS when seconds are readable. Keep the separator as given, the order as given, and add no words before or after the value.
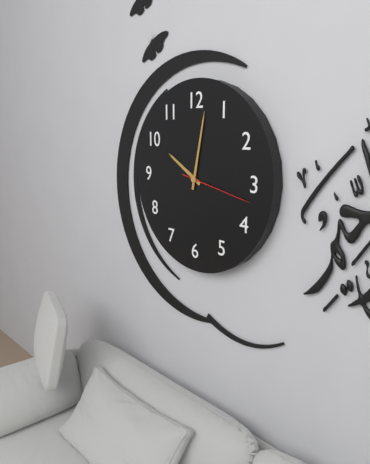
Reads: **10:02:17**
